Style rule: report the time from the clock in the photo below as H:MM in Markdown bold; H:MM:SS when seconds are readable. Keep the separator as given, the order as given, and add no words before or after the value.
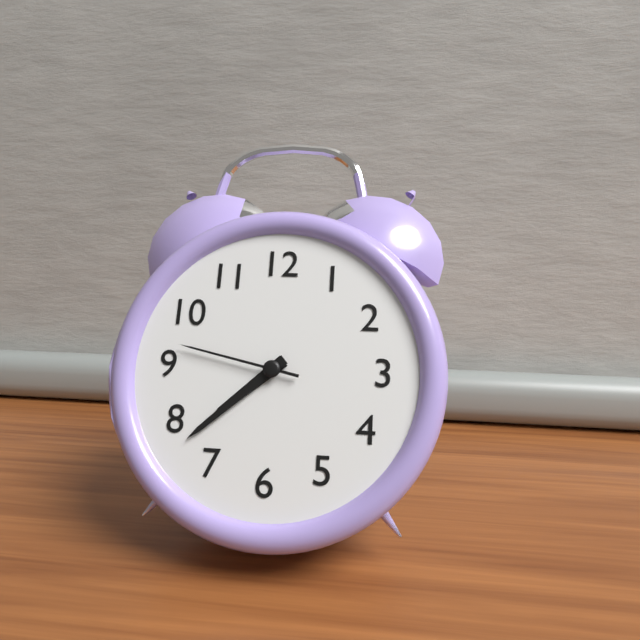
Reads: **7:38:47**
